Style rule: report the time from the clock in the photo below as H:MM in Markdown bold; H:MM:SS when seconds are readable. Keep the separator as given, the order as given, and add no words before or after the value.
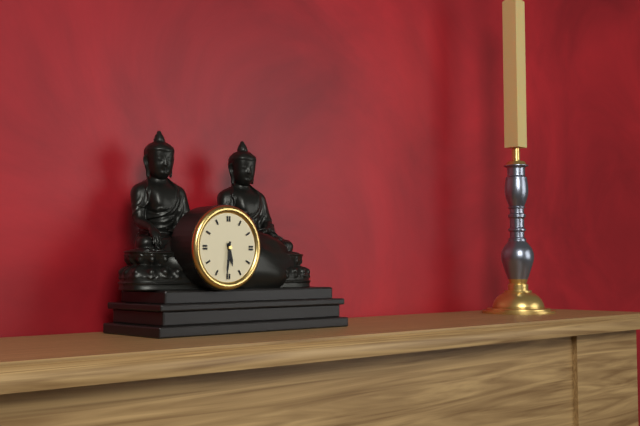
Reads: **5:31**
